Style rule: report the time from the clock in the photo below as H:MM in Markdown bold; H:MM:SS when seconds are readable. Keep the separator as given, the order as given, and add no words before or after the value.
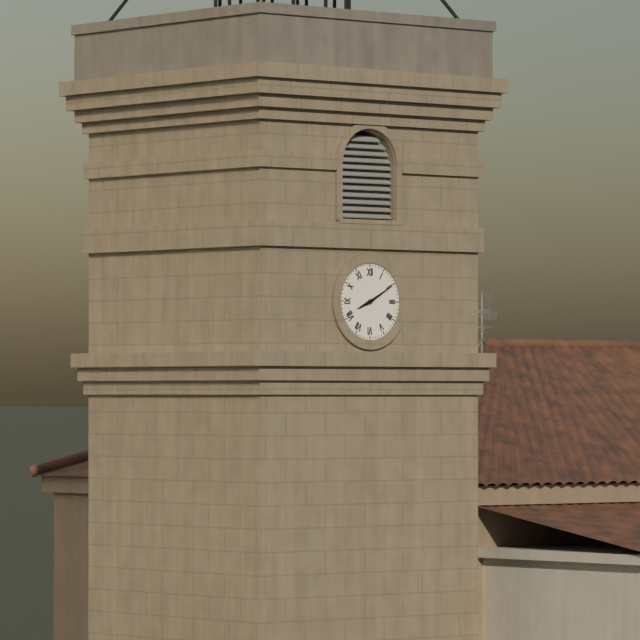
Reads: **8:10**
